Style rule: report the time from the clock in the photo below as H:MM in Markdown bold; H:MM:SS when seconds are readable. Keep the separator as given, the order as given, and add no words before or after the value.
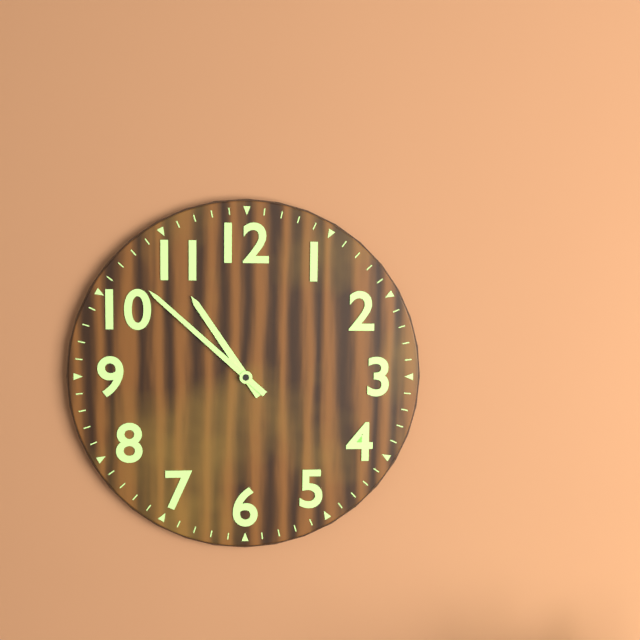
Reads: **10:52**
